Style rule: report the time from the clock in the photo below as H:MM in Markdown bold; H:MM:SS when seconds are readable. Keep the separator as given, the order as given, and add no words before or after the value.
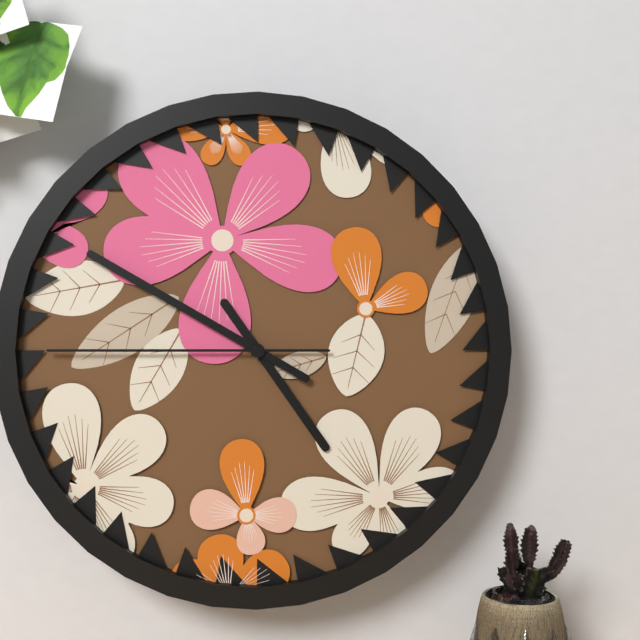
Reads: **4:50:45**
